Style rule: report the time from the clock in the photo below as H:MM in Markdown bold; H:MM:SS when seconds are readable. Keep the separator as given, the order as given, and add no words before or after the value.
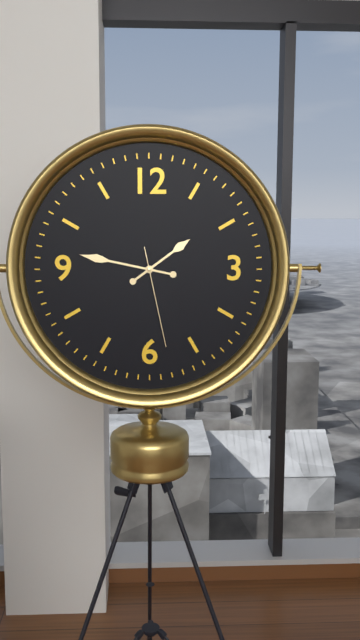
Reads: **1:47:28**
